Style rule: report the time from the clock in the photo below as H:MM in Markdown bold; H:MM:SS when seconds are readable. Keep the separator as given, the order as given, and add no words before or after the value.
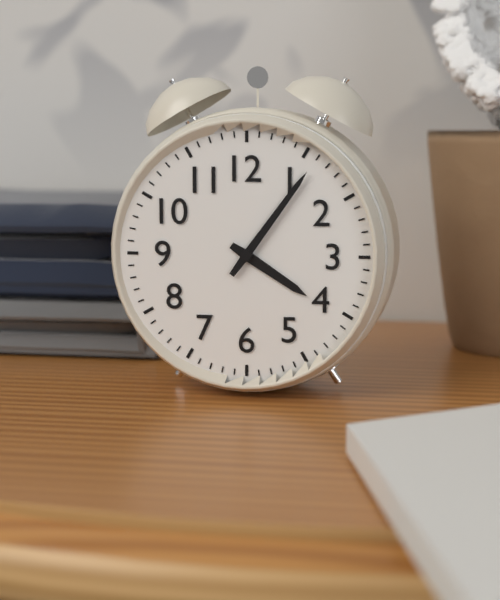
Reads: **4:06**
